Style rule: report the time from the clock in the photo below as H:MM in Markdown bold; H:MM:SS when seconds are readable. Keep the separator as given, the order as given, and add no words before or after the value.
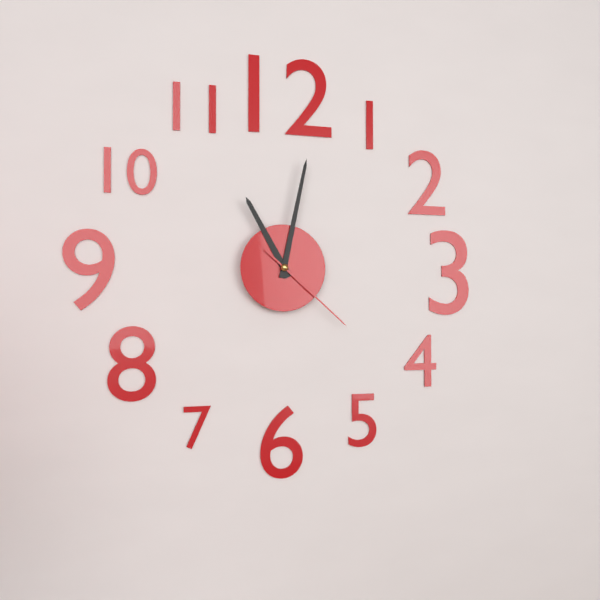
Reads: **11:02:22**
